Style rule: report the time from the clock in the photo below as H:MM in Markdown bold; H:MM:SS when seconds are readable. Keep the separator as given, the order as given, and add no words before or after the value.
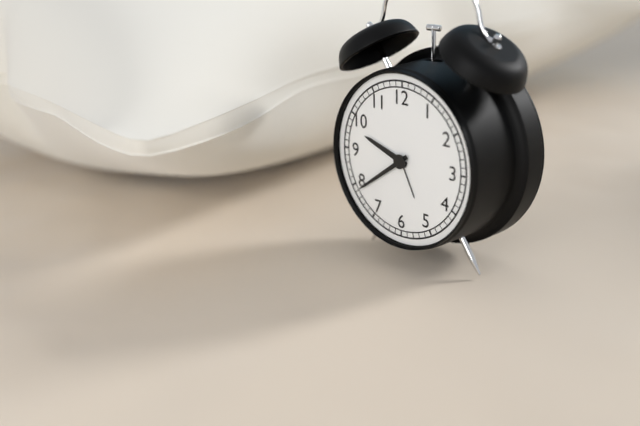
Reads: **9:39**
